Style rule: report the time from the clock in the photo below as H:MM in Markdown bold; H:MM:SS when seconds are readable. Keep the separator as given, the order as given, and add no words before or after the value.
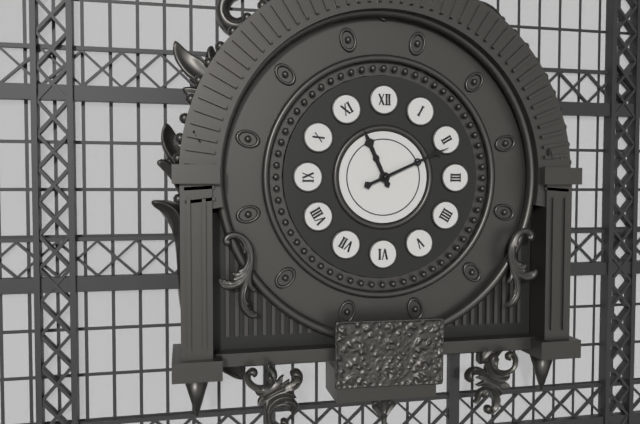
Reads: **11:11**
